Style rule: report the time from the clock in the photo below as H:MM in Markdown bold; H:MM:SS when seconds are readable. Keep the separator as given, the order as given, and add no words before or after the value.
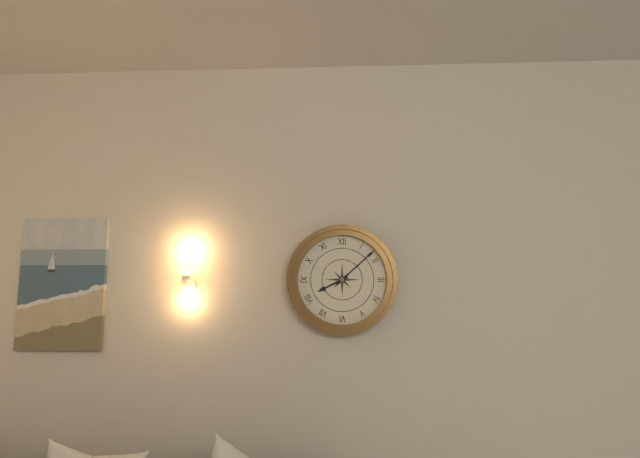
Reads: **8:08**
